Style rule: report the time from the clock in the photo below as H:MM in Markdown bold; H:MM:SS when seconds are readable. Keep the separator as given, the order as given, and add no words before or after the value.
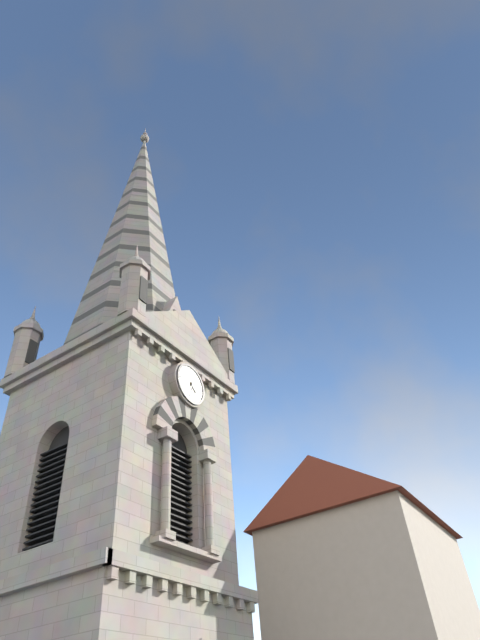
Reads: **4:31**
